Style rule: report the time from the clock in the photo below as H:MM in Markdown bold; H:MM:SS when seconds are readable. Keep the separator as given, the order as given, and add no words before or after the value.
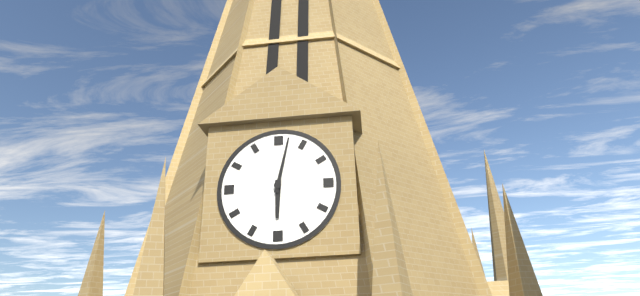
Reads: **6:02**
